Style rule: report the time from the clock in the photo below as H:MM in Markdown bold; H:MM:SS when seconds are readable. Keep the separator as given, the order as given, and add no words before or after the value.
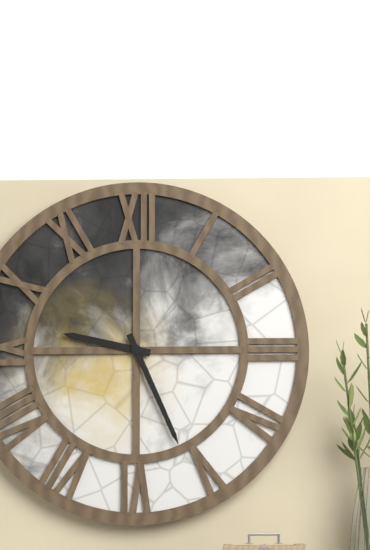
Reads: **9:26**
